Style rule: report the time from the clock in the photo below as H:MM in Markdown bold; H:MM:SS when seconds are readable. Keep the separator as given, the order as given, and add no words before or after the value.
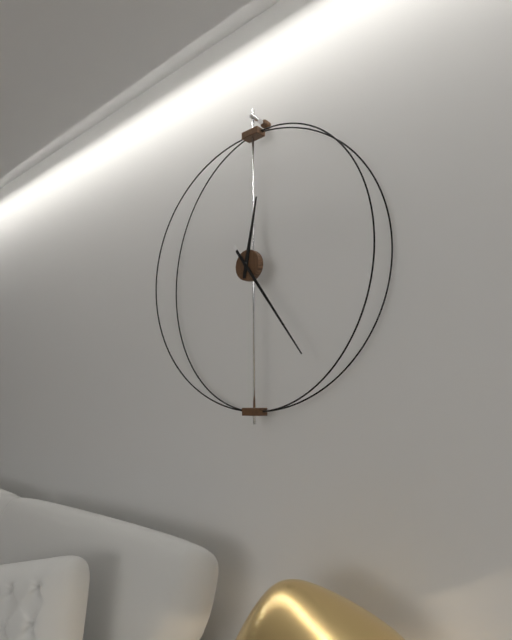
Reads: **12:24**
